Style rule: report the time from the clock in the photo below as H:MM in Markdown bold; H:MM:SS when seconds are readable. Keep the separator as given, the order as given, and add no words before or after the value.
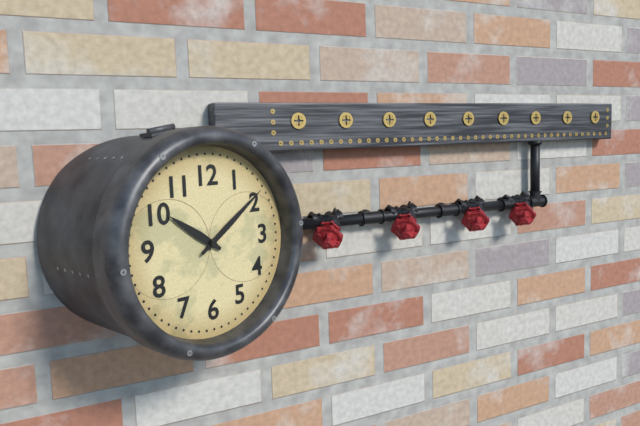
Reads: **10:09**
